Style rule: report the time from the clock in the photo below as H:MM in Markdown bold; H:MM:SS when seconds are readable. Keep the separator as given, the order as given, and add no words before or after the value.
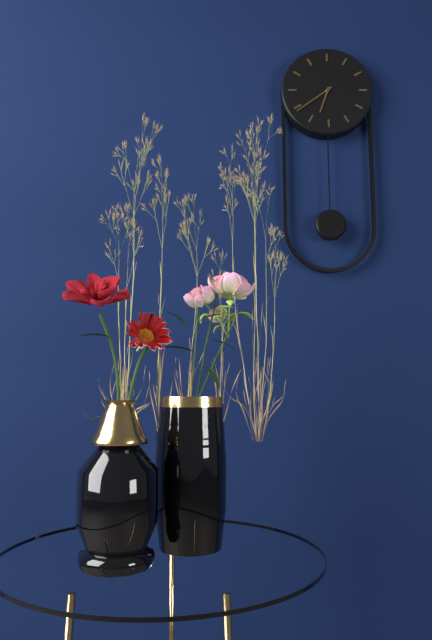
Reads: **6:39**
